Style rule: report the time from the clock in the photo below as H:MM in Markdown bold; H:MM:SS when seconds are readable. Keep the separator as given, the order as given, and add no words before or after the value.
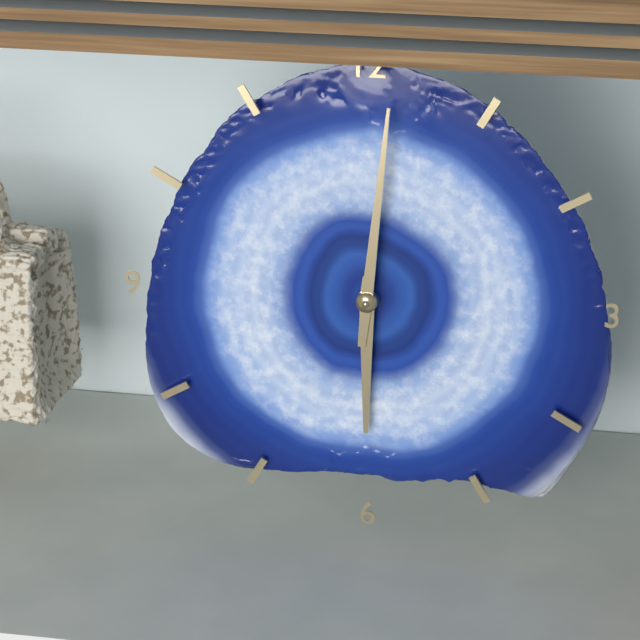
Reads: **6:01**
